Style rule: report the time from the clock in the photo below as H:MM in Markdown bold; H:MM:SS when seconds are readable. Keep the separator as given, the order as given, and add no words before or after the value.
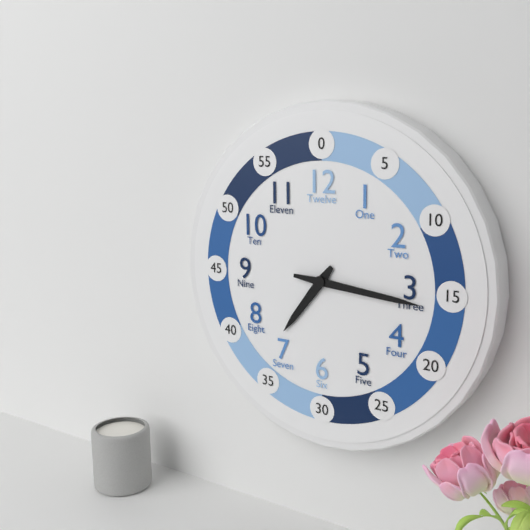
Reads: **7:16**
